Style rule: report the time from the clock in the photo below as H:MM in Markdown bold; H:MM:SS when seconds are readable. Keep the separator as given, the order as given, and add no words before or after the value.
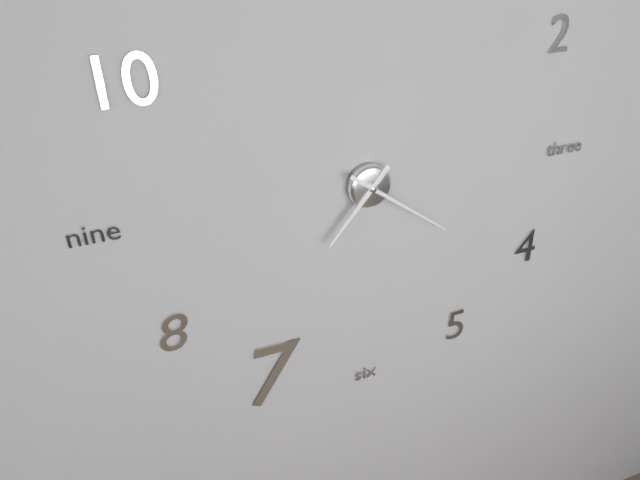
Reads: **7:21**
